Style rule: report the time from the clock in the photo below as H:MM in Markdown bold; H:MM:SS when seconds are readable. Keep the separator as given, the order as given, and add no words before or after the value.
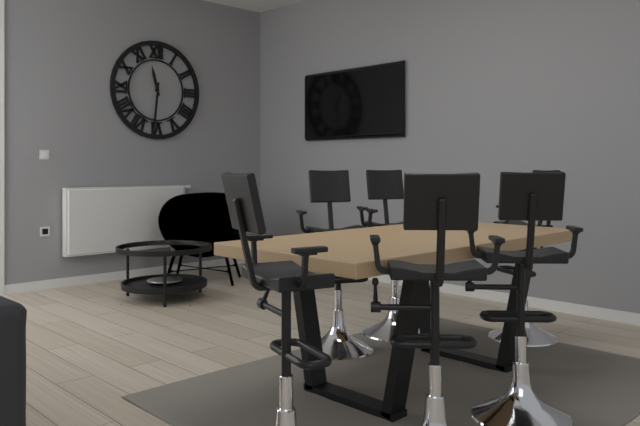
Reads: **11:31**
